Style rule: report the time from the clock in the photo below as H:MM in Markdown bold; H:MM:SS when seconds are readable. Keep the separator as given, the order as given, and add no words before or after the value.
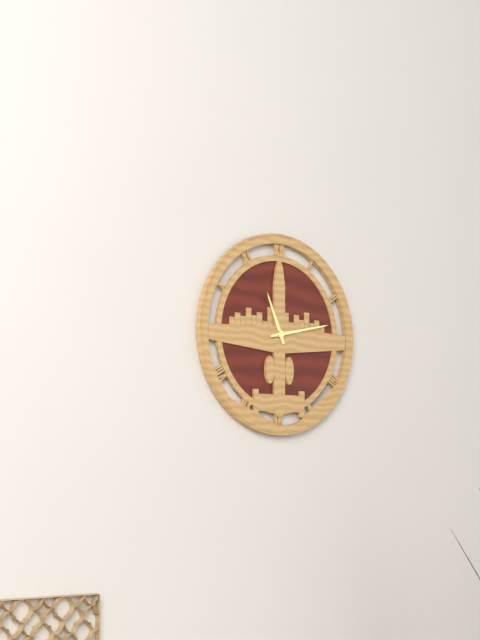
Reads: **11:13**
